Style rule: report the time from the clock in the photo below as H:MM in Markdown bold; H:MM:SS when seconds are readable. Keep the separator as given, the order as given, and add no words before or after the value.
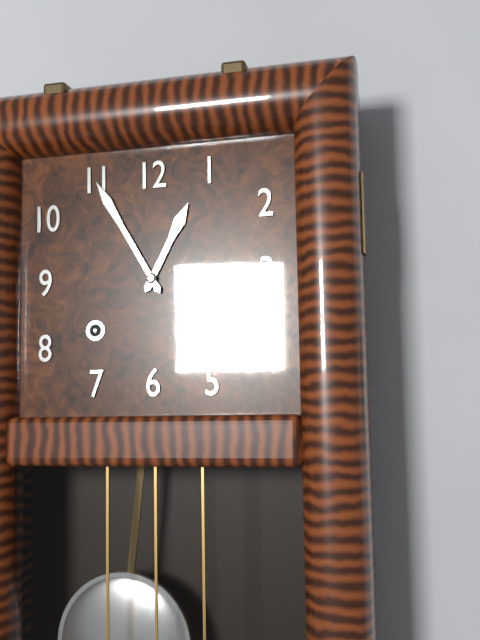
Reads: **12:55**
